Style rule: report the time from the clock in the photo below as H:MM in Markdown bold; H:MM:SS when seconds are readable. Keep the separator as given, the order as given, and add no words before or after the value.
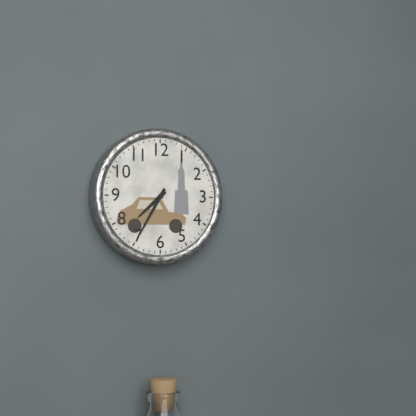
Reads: **7:35**
